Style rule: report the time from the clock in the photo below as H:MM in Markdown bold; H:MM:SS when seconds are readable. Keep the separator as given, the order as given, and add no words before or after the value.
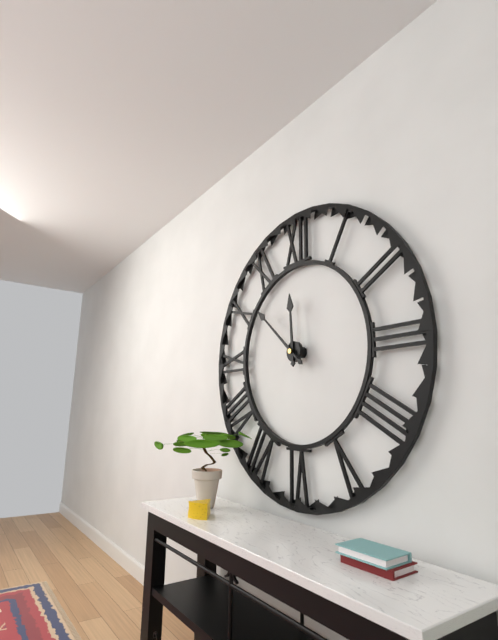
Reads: **11:52**
